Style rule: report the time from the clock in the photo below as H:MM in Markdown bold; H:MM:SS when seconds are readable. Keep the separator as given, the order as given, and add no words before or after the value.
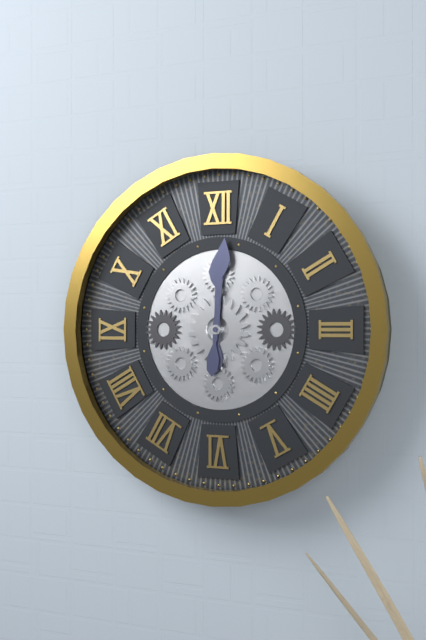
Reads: **12:01**
